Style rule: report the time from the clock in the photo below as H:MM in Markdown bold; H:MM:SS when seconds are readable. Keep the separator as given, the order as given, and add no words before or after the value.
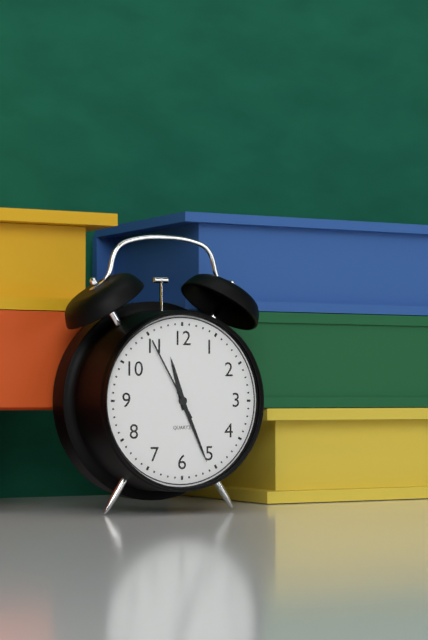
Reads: **11:26:55**
